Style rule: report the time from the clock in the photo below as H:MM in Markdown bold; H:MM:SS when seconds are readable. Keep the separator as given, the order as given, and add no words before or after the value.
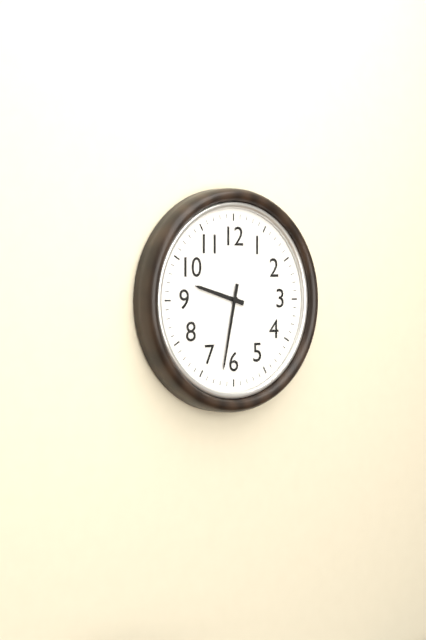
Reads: **9:32**
